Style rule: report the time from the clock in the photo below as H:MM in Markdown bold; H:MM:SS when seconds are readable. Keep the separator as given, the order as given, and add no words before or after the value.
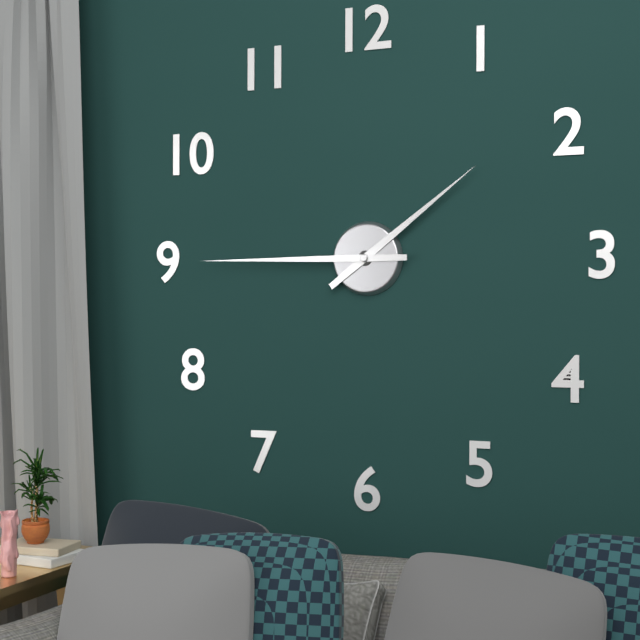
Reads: **1:45**
